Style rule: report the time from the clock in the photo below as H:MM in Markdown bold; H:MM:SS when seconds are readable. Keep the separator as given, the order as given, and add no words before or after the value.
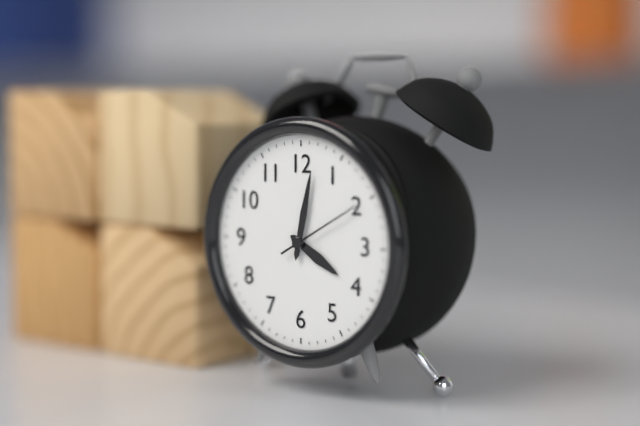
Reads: **4:02:10**
